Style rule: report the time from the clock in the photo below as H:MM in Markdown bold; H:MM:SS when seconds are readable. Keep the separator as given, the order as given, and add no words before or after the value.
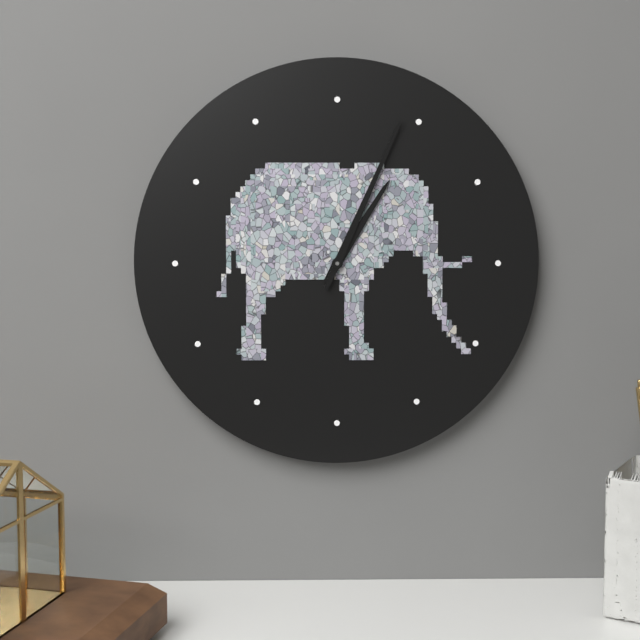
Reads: **1:04**
